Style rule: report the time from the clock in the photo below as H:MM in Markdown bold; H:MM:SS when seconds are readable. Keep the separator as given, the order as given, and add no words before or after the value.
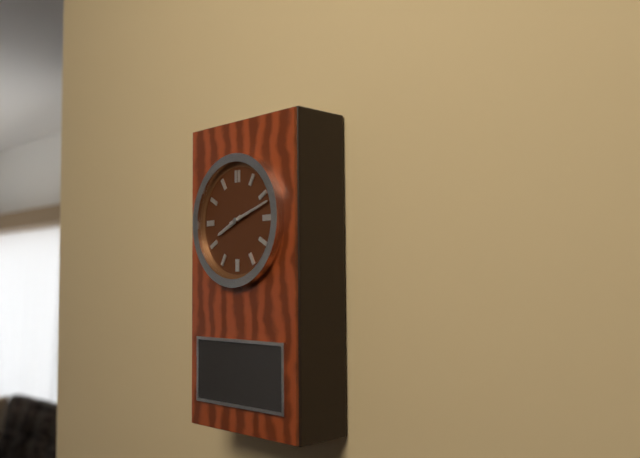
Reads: **8:12**
